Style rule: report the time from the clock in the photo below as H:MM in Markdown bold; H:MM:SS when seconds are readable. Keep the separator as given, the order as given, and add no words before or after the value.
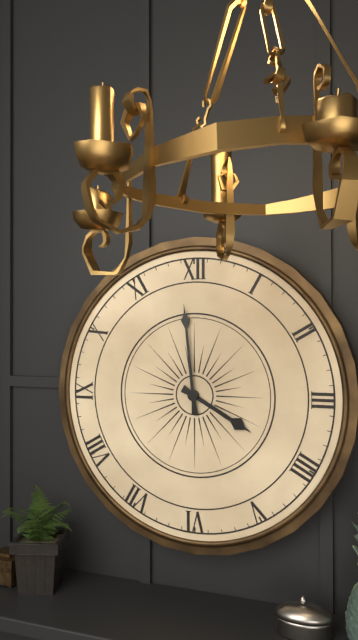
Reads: **3:59**
